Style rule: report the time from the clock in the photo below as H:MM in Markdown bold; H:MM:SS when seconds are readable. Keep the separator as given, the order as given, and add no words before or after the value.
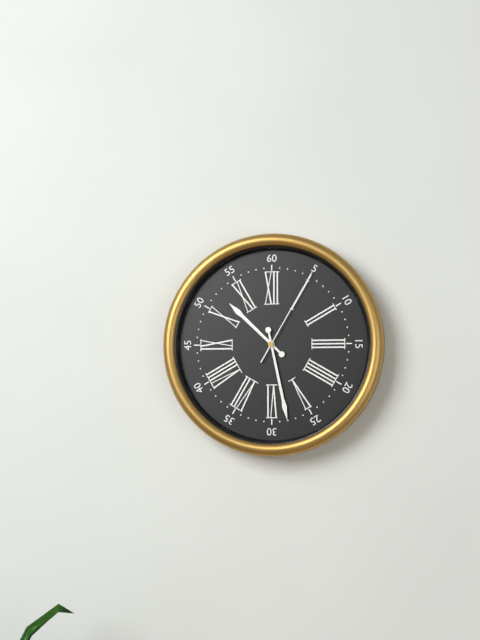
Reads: **10:28:05**
